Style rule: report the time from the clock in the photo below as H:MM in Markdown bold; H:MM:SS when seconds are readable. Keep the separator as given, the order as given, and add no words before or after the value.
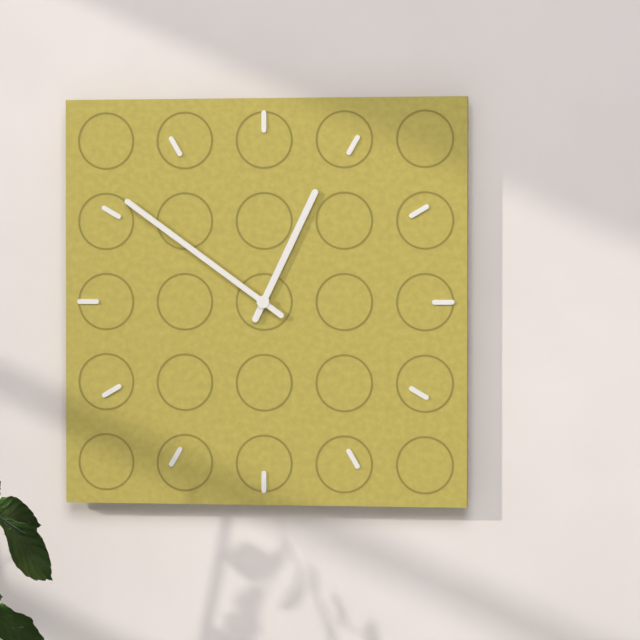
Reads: **12:51**
